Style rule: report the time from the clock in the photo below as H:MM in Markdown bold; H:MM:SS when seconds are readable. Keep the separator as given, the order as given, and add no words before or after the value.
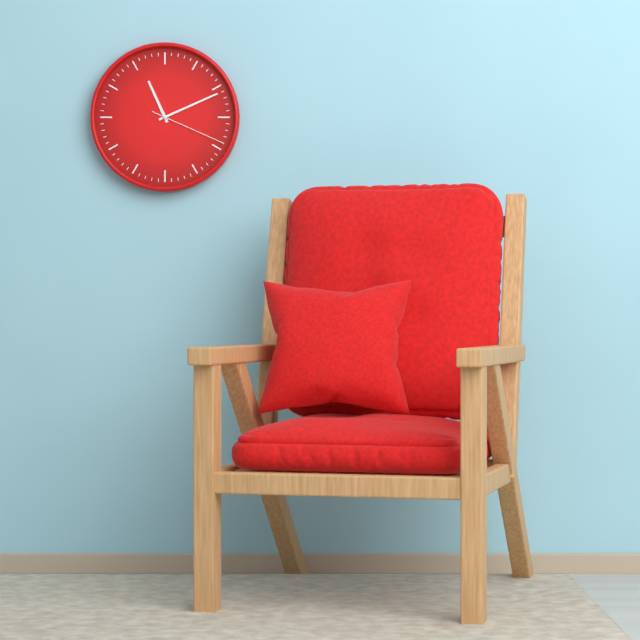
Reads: **11:11:19**
